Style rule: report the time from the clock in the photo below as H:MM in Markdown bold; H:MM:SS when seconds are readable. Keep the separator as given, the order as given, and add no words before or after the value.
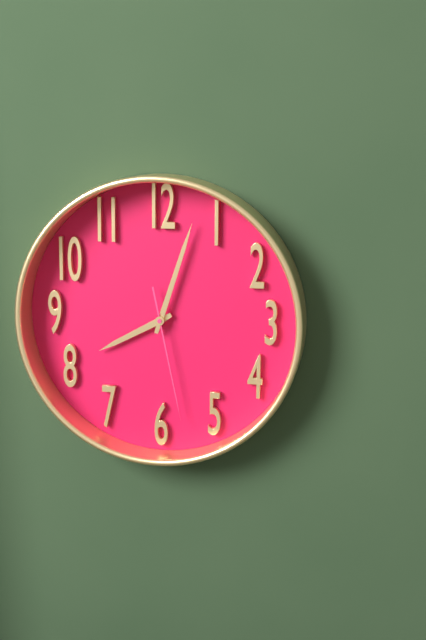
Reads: **8:03:28**
